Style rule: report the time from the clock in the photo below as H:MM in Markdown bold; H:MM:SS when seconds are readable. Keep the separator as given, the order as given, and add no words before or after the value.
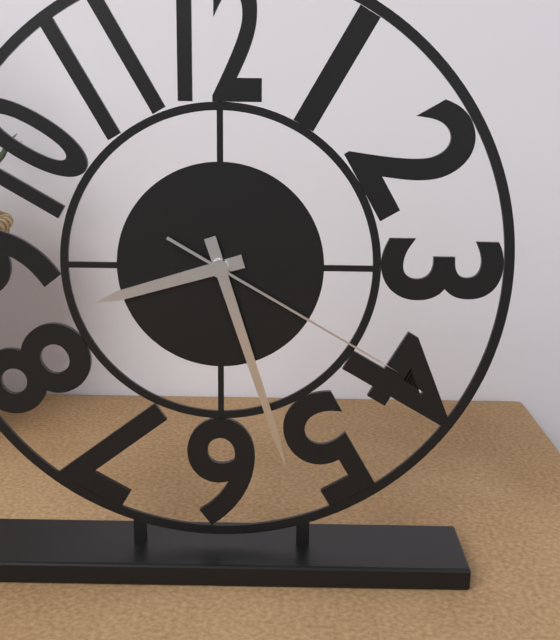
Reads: **8:27:20**
